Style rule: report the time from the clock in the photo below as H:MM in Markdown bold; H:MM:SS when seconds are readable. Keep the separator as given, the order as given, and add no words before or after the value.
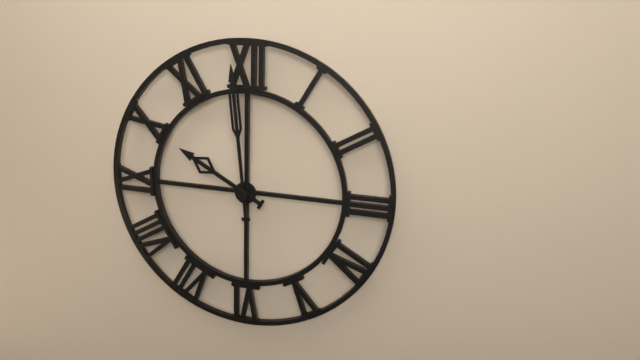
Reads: **9:59**
